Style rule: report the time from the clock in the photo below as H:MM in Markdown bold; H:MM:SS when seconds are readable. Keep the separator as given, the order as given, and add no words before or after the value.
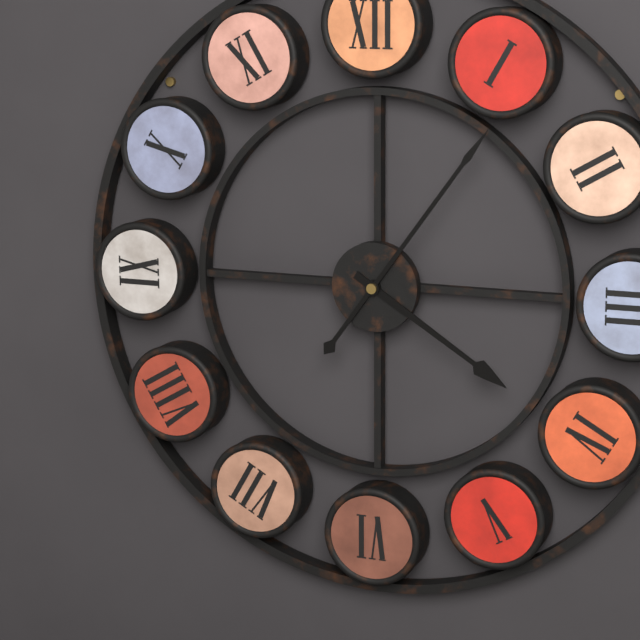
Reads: **4:06**
